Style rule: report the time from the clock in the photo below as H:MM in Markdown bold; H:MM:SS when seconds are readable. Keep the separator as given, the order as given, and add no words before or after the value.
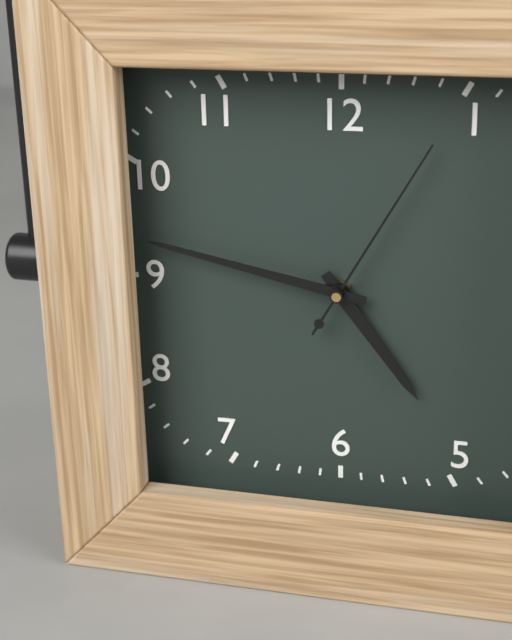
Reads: **4:47:05**
